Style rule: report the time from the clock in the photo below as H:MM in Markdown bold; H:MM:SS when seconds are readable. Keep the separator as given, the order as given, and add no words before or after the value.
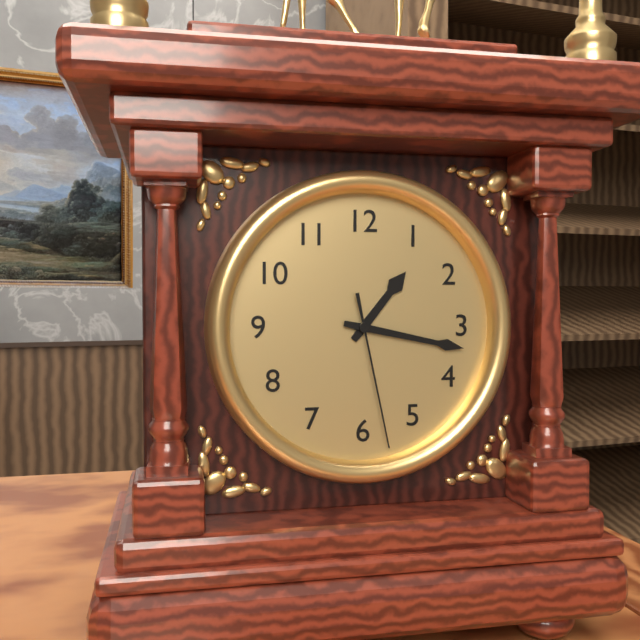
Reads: **1:17:28**
